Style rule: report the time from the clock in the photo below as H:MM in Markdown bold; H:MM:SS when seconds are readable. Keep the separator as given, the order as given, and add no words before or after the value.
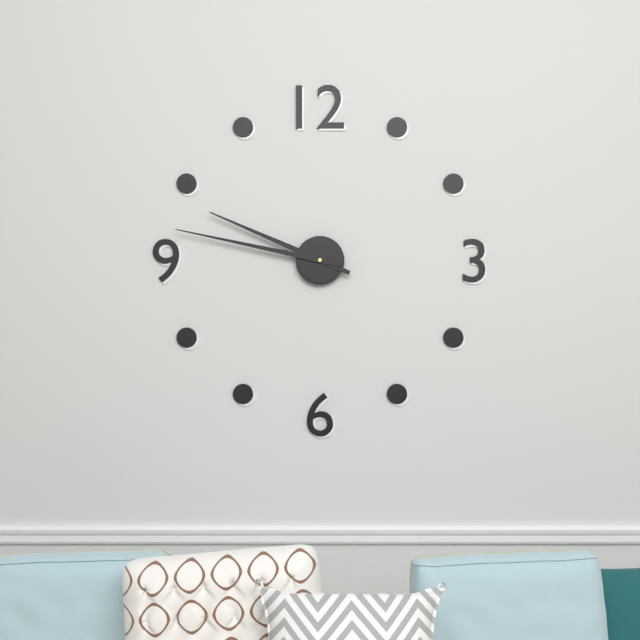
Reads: **9:47**
